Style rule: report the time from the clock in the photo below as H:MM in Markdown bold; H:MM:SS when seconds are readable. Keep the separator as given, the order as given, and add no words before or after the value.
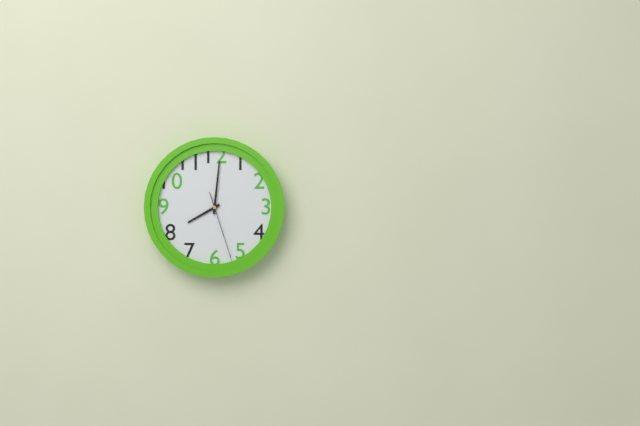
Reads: **8:01:27**
